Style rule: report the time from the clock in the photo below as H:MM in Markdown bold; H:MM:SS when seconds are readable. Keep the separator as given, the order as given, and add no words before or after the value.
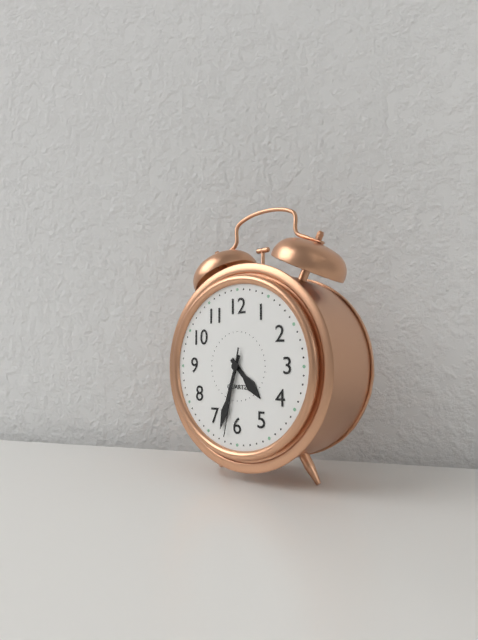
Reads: **4:33:32**
